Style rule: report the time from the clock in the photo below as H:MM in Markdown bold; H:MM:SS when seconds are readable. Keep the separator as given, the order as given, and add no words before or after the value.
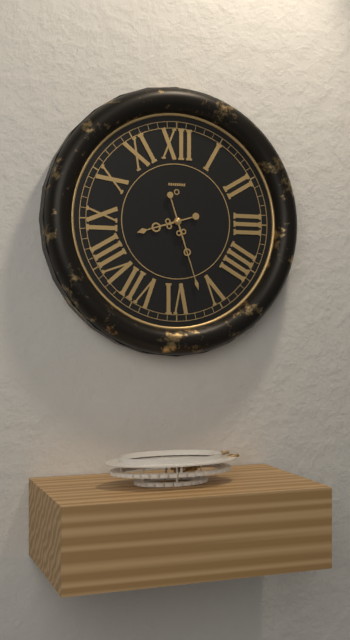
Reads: **8:27**
